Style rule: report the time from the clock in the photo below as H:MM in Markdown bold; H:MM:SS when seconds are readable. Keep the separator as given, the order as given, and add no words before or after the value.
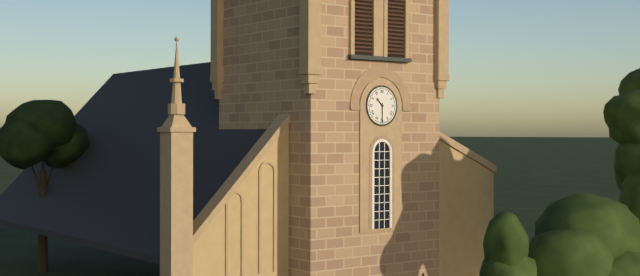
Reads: **10:30**
